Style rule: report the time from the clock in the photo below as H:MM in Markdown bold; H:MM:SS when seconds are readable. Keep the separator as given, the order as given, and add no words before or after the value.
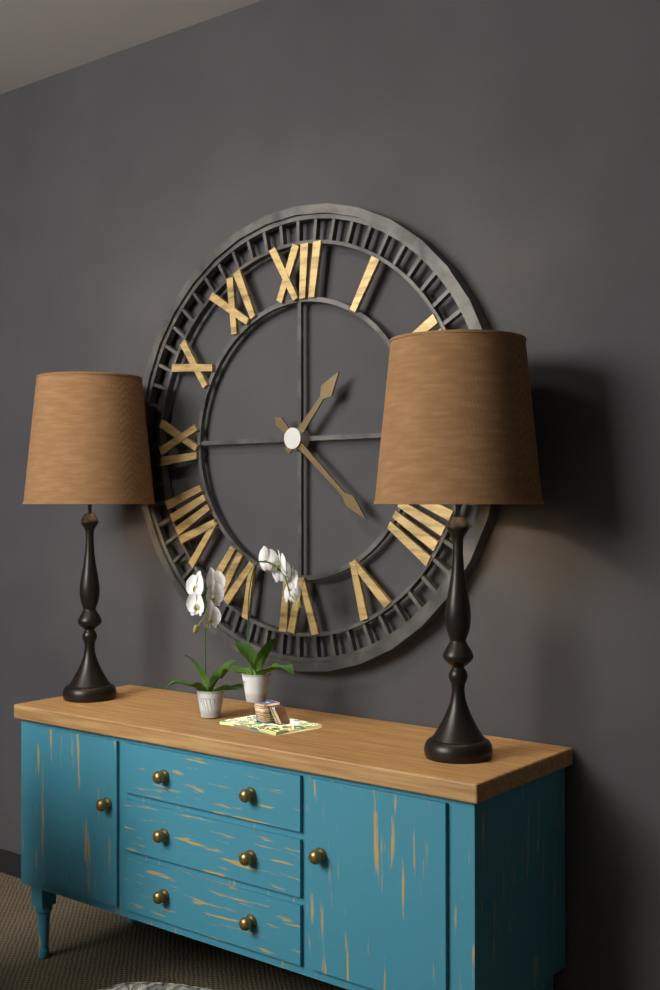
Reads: **1:22**
